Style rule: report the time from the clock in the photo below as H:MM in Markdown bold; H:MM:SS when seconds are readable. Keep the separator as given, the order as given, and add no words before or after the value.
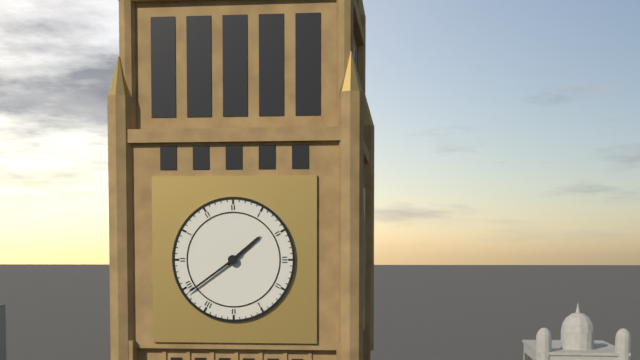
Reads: **1:39**
